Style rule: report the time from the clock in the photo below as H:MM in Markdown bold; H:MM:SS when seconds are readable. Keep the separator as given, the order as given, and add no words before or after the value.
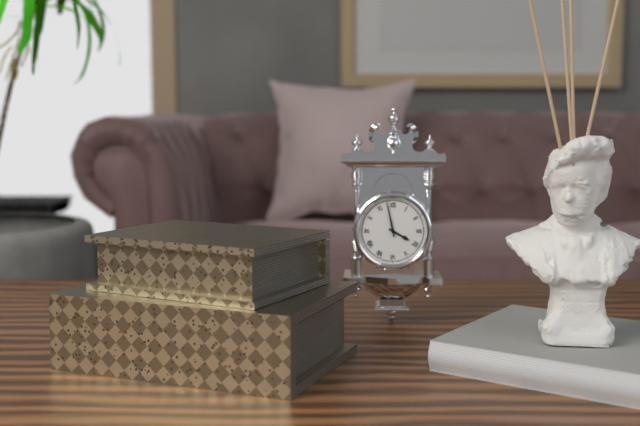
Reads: **3:58**
